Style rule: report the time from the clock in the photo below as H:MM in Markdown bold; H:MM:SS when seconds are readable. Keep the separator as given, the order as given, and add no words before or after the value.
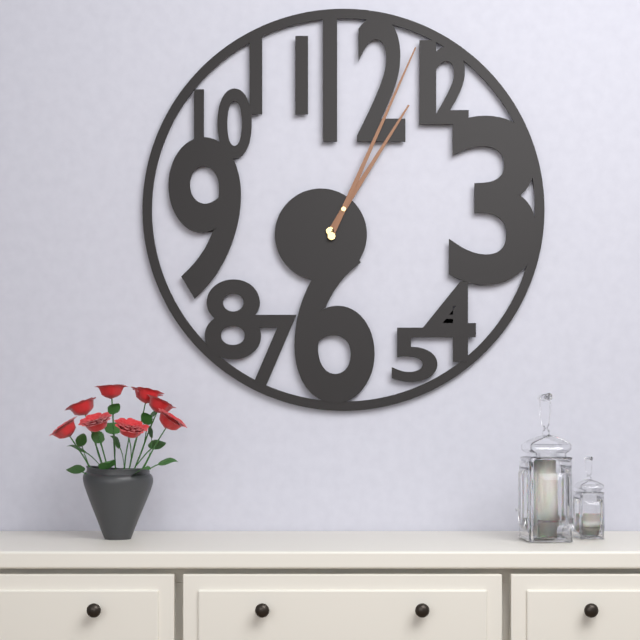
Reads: **1:04**
